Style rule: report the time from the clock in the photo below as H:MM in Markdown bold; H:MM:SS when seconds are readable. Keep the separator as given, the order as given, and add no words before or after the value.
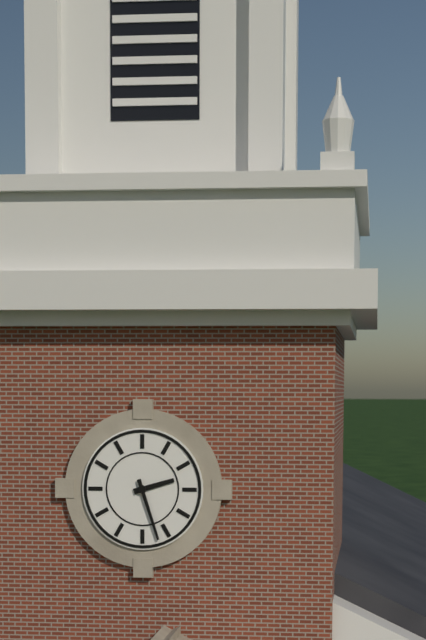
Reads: **2:27**
